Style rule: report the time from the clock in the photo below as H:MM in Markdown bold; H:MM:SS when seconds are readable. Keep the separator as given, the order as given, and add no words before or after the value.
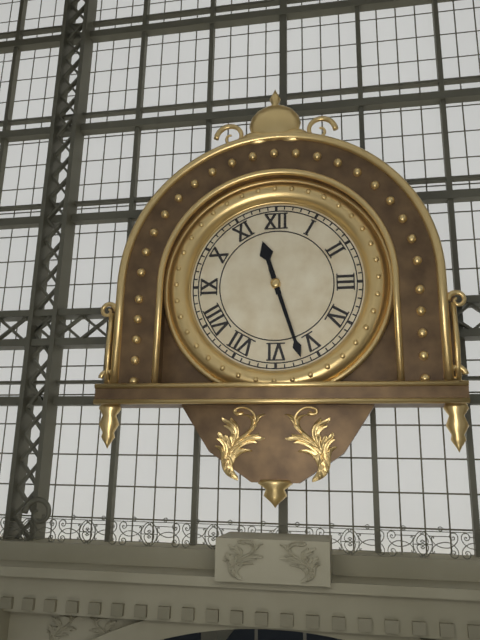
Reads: **11:27**
